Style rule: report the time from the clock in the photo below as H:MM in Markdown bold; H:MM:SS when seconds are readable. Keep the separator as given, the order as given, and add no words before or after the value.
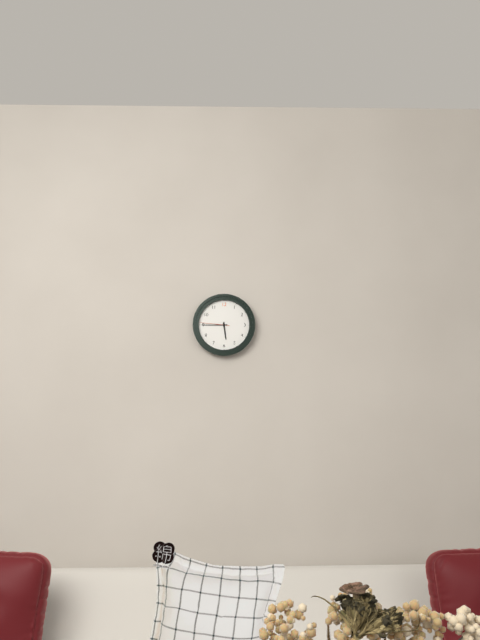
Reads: **5:45**
